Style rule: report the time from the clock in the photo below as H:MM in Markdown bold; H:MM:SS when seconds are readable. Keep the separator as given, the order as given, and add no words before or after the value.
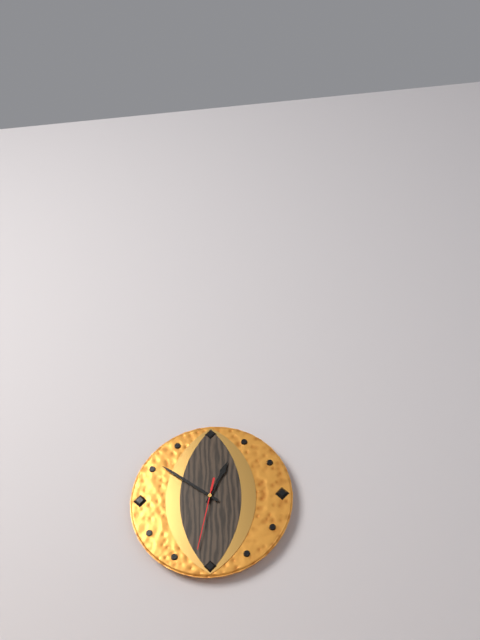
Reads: **12:51:32**
